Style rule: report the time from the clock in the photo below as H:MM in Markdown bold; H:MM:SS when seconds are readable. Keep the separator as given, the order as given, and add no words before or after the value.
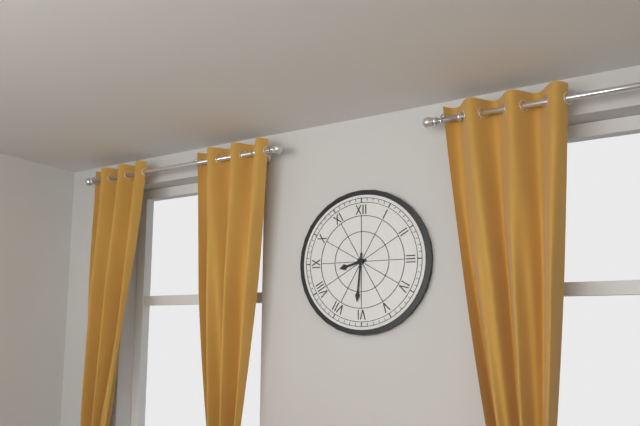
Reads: **8:31**
